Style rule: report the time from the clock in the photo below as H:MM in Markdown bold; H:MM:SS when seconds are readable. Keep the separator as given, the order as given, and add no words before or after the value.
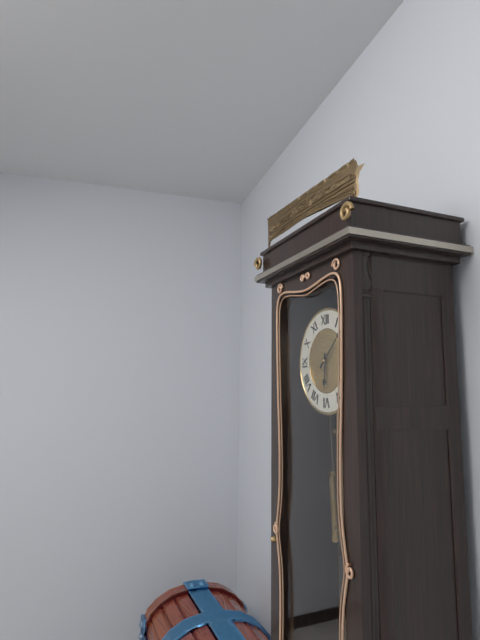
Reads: **6:08**
